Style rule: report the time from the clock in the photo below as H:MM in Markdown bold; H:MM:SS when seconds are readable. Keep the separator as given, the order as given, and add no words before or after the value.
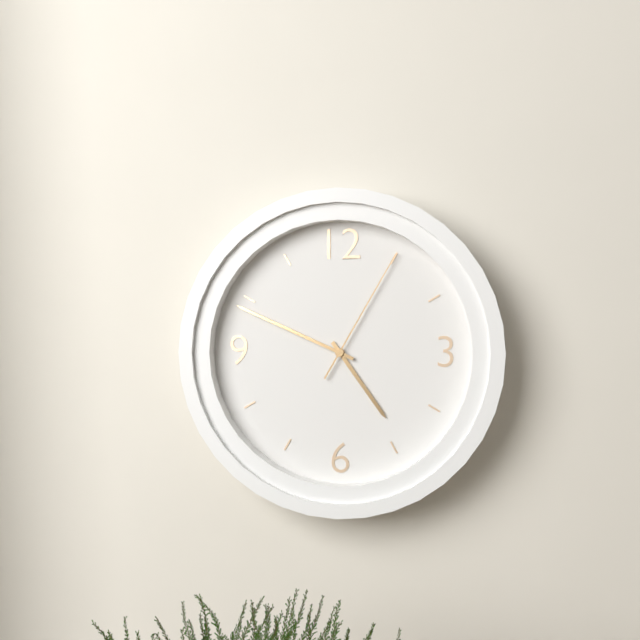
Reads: **4:49:05**
